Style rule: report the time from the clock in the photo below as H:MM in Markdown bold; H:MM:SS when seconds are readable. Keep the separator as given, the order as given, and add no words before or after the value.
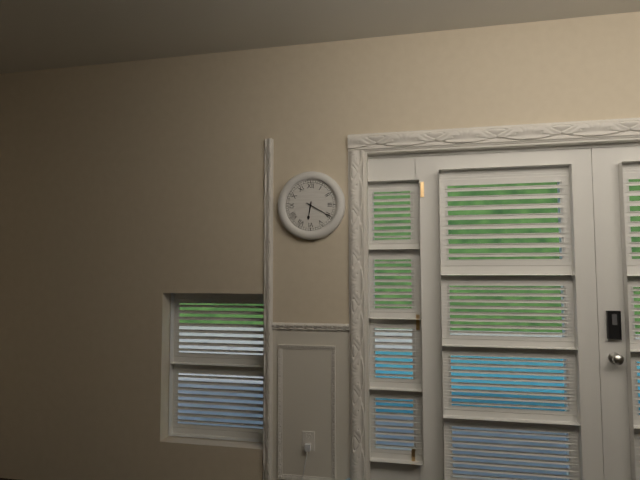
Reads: **6:20**
